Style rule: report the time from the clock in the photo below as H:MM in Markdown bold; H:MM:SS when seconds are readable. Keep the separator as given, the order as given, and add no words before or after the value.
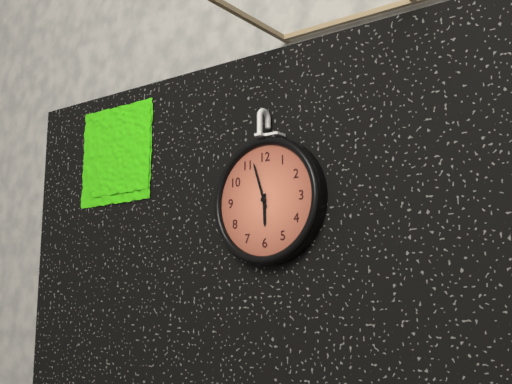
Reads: **5:57**
